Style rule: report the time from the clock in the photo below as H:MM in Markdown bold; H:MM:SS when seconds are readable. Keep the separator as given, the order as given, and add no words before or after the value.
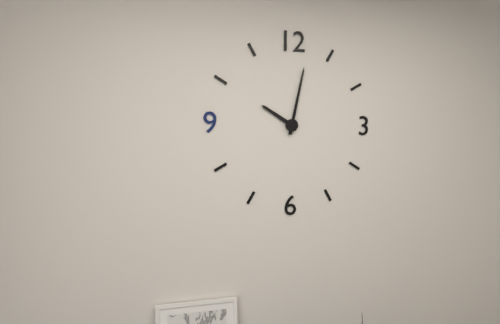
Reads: **10:02**
